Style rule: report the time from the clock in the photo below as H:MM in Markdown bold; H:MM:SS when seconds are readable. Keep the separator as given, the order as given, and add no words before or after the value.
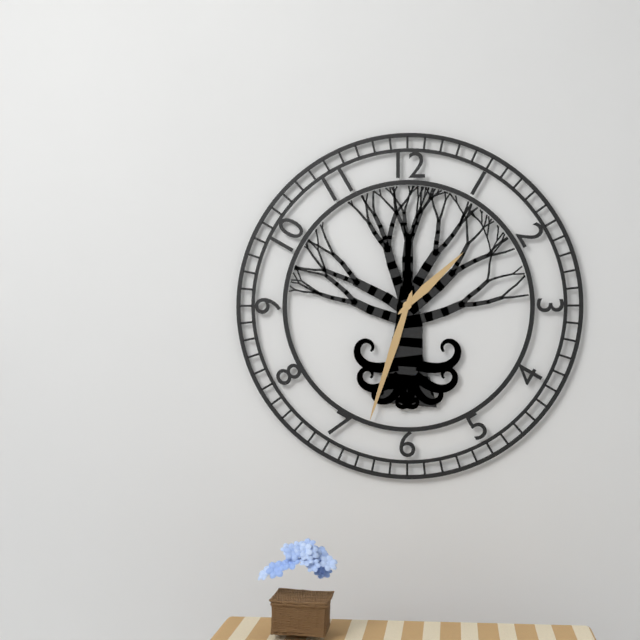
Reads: **1:33**
